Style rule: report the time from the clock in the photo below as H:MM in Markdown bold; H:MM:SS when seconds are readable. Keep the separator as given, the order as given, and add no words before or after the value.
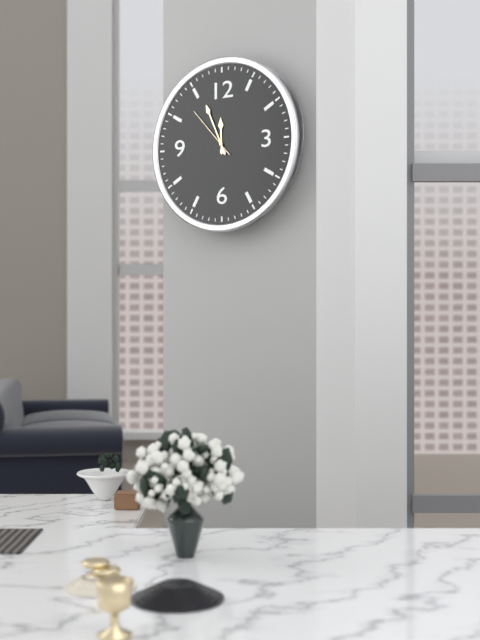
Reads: **11:56:53**
